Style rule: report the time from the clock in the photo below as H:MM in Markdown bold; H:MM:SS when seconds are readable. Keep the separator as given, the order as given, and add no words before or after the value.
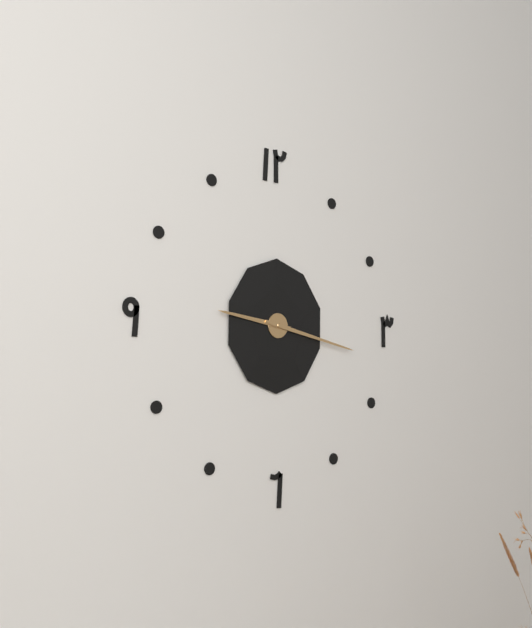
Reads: **9:17**
